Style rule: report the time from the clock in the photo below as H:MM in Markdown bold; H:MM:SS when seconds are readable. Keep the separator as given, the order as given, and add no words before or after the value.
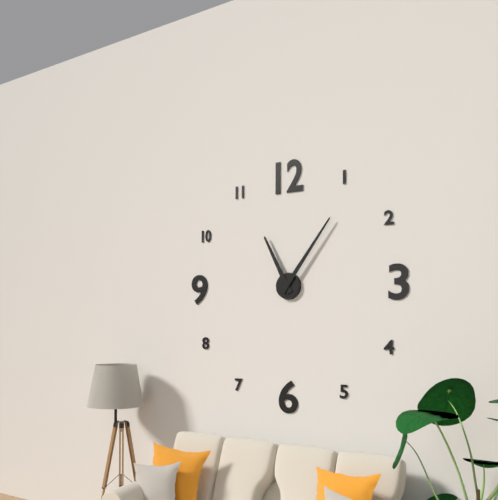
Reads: **11:06**
